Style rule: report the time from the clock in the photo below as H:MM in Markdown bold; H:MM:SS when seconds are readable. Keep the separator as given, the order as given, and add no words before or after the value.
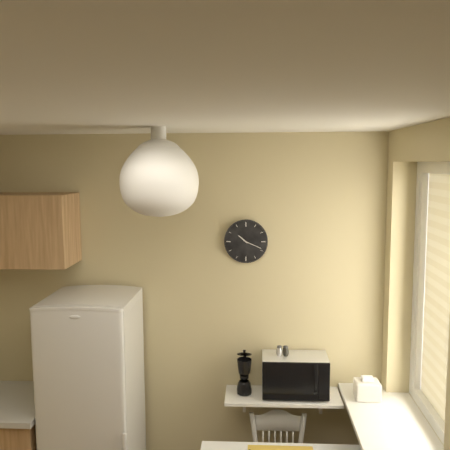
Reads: **10:19**
